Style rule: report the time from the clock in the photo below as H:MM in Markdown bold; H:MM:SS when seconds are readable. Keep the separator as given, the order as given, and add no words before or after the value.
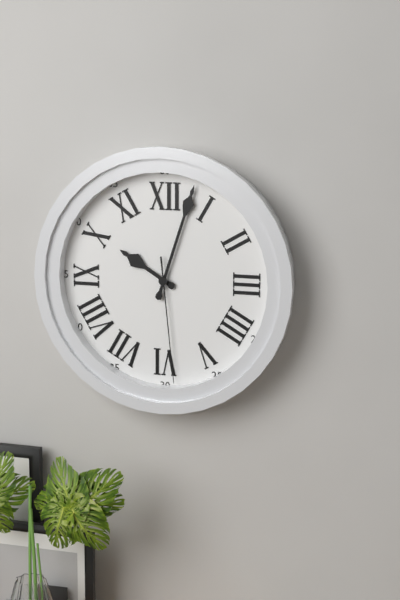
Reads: **10:03:29**
